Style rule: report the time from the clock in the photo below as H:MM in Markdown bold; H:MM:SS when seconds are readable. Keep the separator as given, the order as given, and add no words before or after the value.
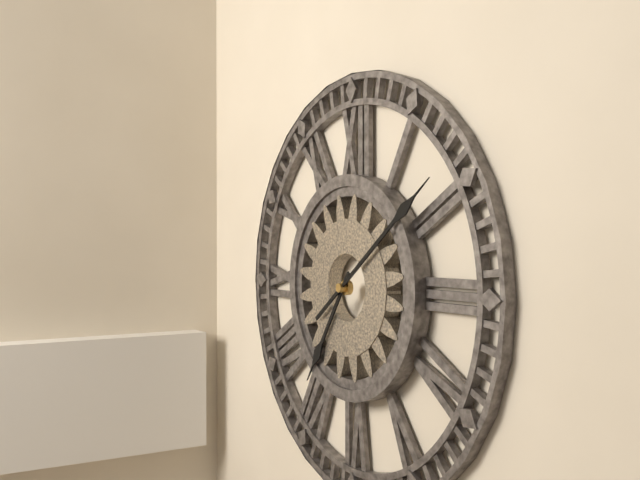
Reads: **7:09**
